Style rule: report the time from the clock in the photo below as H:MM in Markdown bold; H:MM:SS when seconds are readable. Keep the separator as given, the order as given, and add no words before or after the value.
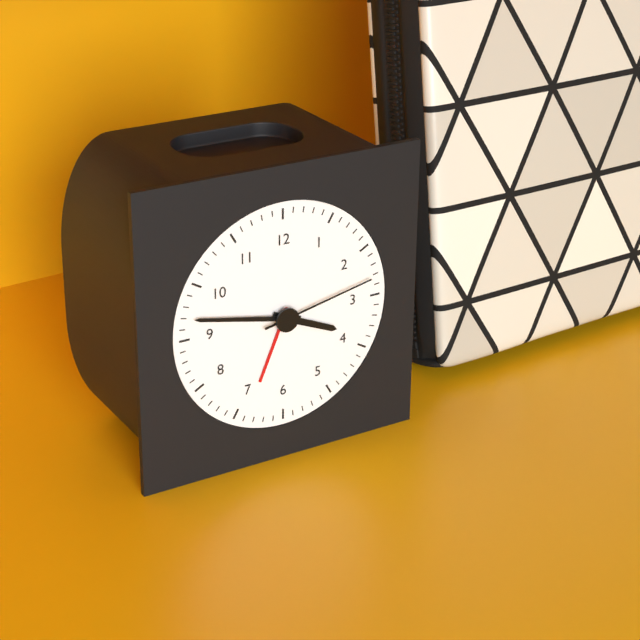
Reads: **3:47:13**
